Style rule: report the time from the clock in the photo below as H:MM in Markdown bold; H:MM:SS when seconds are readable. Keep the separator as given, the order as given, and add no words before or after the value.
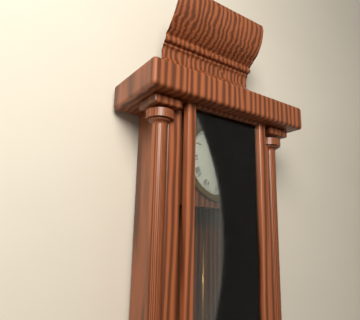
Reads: **10:57**
